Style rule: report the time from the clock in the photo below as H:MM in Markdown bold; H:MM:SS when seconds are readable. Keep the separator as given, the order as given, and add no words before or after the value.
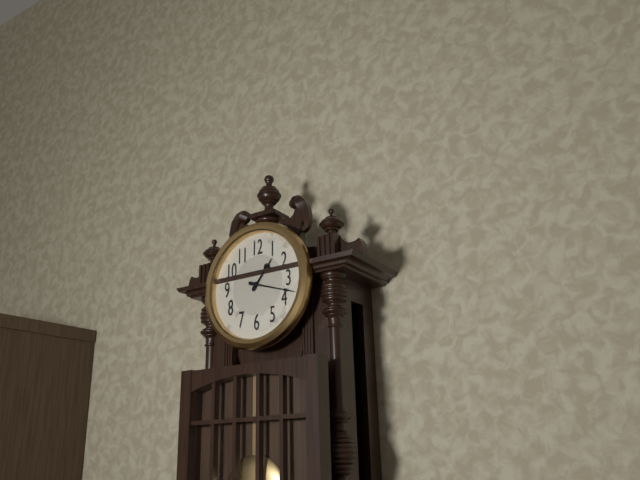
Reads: **1:18**
